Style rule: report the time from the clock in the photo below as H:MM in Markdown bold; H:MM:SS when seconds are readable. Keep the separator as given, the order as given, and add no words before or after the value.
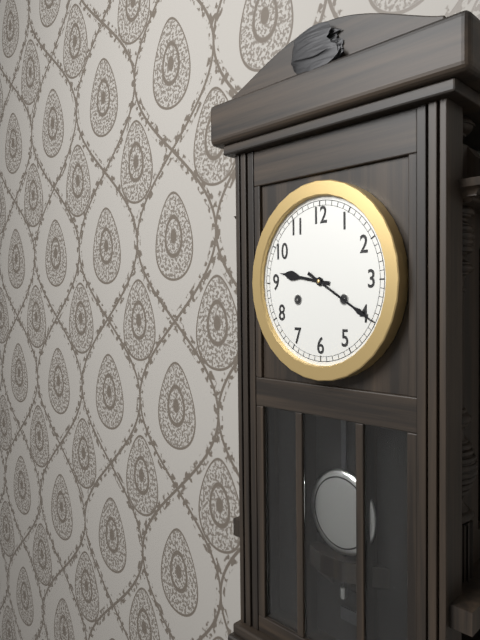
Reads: **9:20**
